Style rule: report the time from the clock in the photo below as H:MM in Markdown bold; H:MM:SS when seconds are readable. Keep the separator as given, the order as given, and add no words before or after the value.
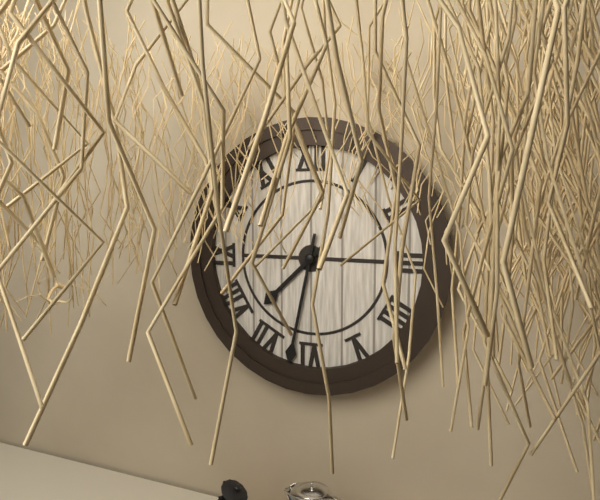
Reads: **7:32**
